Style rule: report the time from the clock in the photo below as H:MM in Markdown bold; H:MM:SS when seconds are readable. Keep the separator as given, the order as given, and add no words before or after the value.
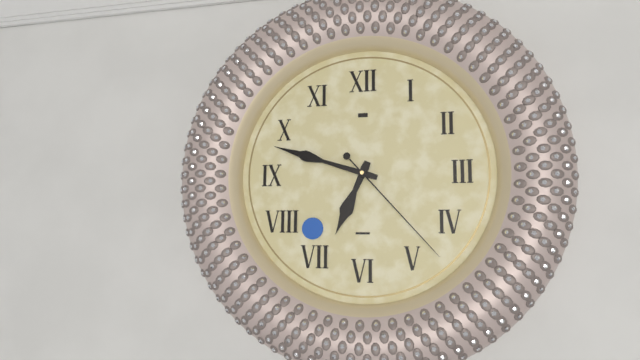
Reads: **6:48:23**
